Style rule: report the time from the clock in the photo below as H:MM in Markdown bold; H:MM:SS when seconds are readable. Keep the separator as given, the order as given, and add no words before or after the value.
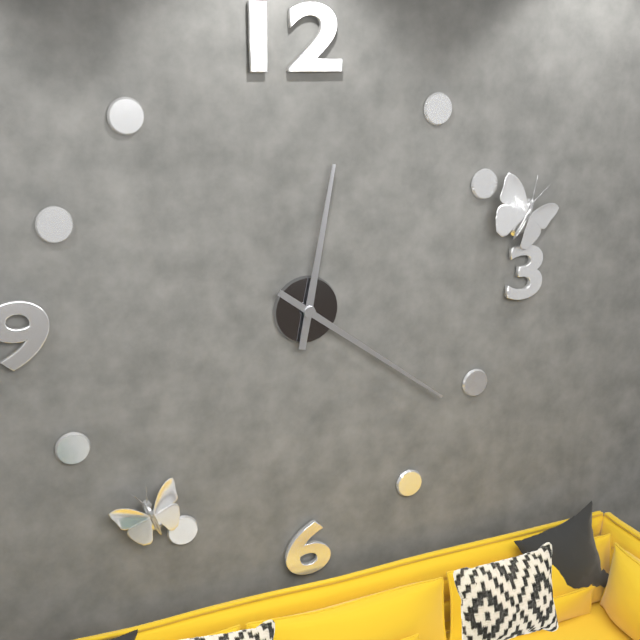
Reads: **12:21**
